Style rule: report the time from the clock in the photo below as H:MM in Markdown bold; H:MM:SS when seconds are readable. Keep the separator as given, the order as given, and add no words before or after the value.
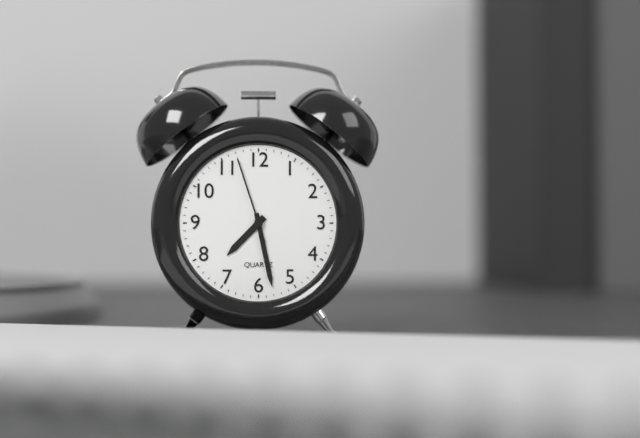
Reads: **7:28:57**
